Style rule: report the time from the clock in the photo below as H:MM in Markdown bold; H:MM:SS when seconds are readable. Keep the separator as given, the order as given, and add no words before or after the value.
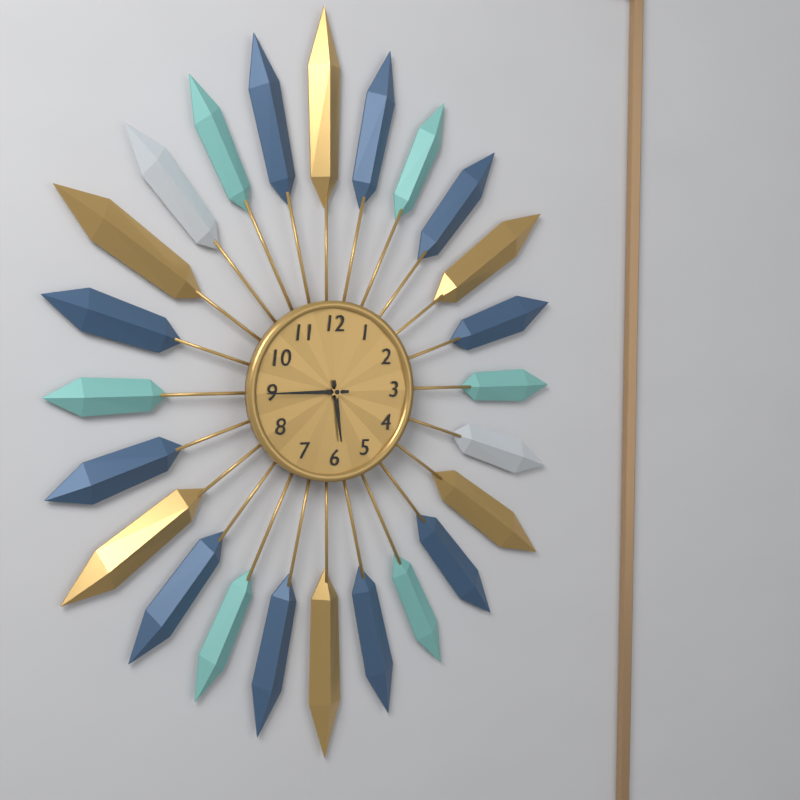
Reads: **5:45**
